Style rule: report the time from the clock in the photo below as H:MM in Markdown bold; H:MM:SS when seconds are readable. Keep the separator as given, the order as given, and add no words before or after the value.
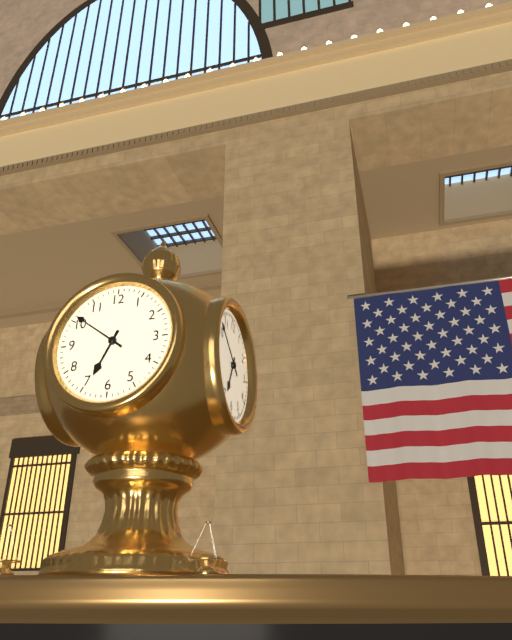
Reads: **6:51**
